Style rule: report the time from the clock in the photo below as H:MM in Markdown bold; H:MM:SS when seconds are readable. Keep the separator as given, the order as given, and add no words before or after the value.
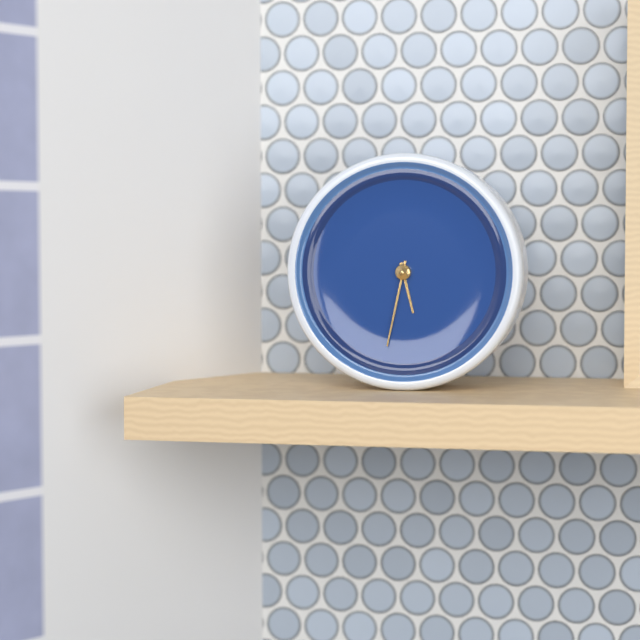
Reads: **5:32**
